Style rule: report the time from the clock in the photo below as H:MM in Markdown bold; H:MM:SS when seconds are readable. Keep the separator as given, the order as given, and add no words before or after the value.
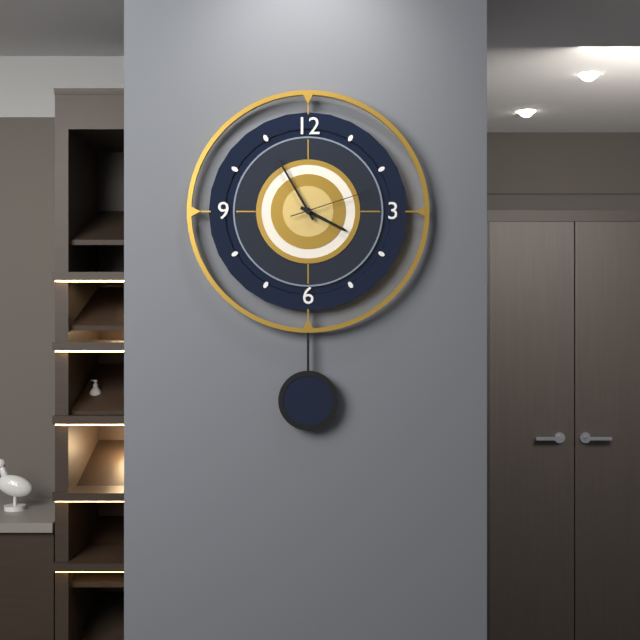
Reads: **3:55:12**
